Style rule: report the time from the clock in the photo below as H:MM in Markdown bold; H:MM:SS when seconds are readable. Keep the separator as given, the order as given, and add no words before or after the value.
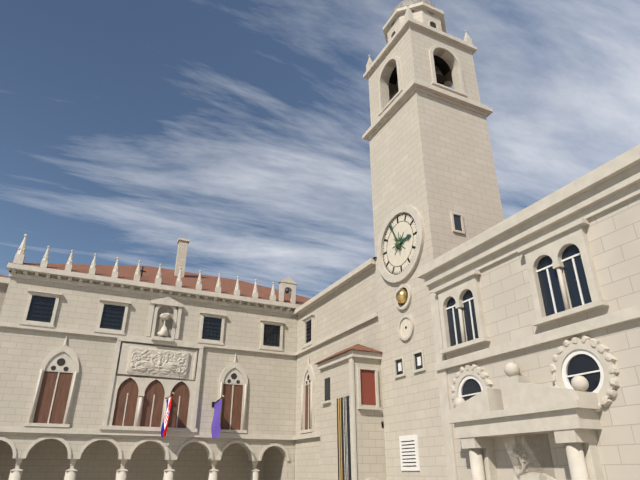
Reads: **2:56**
